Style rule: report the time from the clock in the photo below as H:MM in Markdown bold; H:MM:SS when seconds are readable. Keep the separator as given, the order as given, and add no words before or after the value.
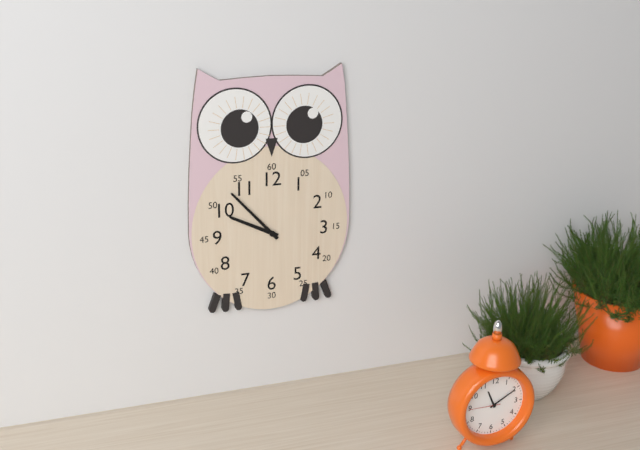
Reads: **9:53**
